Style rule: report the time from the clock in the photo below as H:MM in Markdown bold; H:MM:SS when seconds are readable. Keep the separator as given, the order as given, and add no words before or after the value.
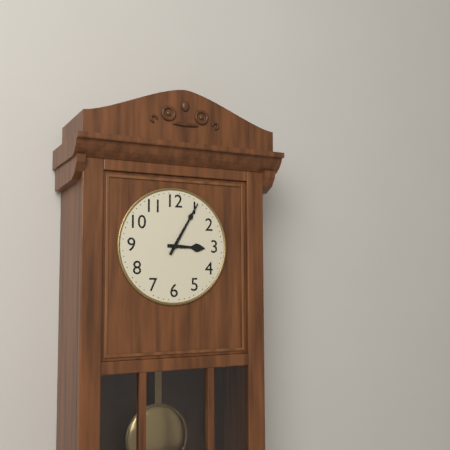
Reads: **3:05**
